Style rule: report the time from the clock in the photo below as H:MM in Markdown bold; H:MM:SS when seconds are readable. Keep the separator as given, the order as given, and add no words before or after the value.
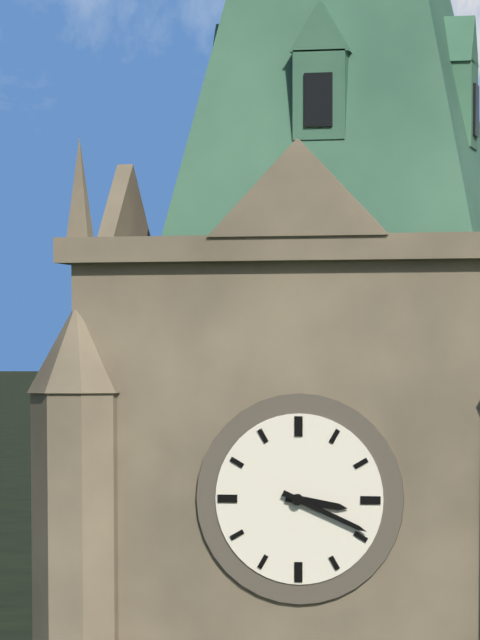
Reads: **3:19**
